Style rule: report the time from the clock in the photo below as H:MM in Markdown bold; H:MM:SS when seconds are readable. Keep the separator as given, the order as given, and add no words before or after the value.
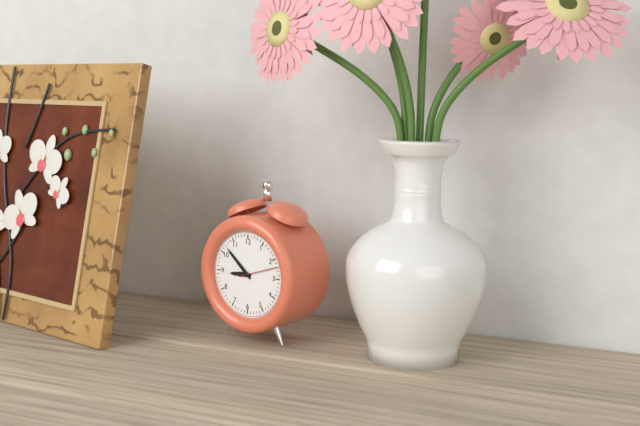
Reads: **8:52**
